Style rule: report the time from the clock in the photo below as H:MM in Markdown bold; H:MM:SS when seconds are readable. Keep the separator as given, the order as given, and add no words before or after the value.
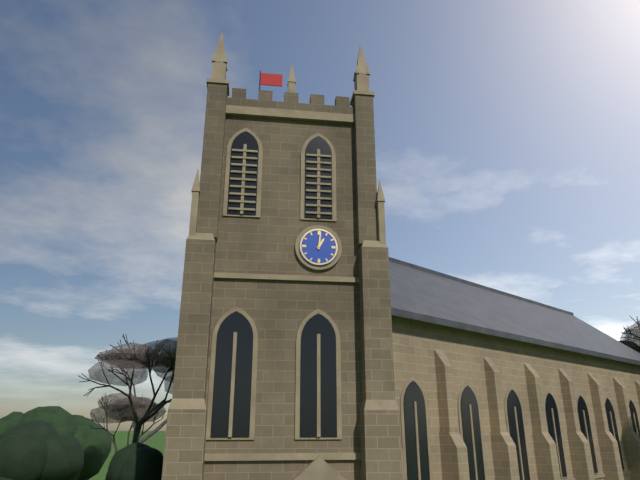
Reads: **1:01**
